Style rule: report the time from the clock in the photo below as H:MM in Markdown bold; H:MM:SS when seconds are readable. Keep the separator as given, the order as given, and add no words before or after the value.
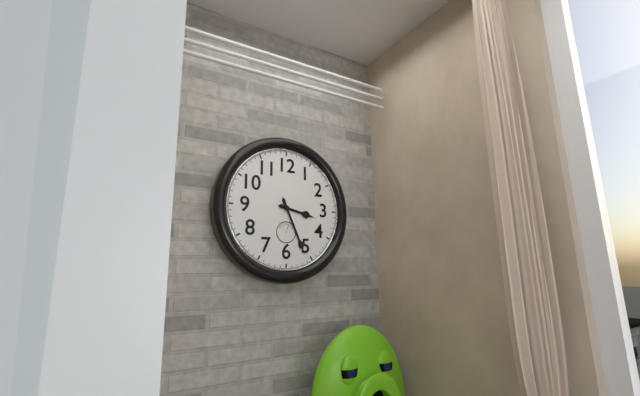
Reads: **3:26**
